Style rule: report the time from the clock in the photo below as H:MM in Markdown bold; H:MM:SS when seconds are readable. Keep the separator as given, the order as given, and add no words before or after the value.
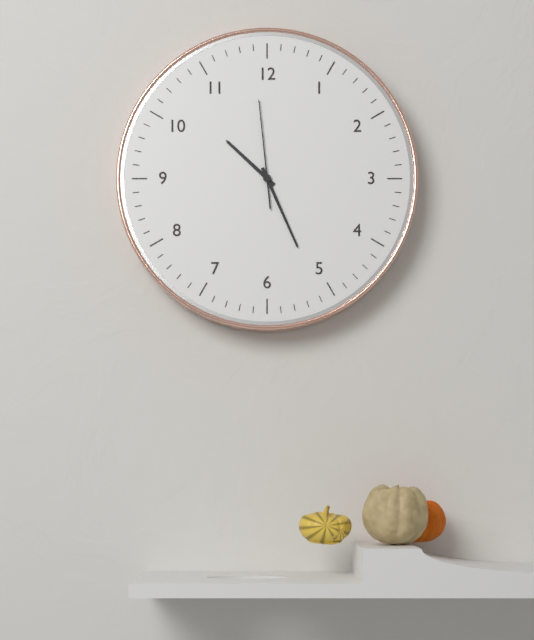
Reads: **10:26:59**
